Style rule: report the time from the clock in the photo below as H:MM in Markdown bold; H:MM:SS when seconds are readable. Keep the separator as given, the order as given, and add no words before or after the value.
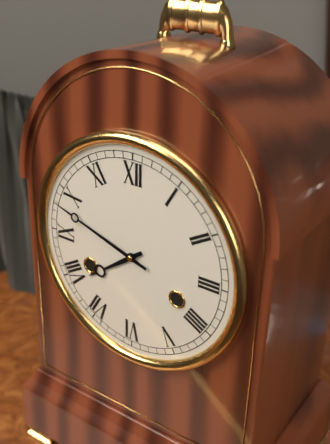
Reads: **7:48**
